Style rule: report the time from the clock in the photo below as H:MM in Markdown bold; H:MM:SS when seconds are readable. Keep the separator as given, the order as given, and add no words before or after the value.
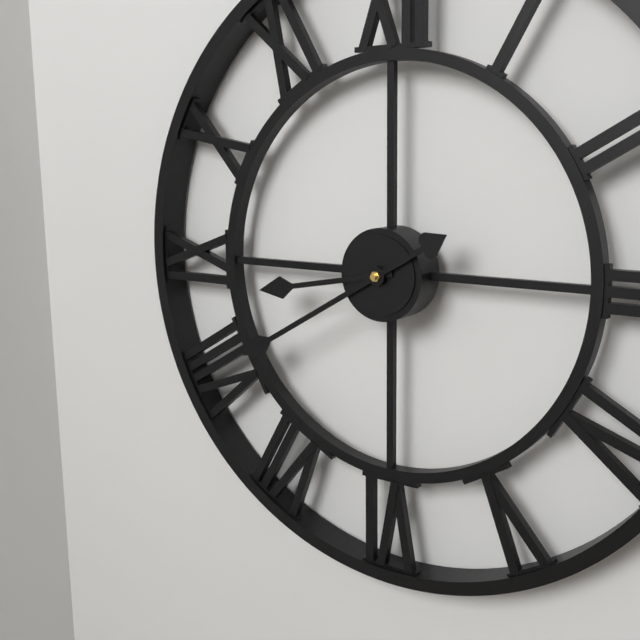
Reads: **8:40**
